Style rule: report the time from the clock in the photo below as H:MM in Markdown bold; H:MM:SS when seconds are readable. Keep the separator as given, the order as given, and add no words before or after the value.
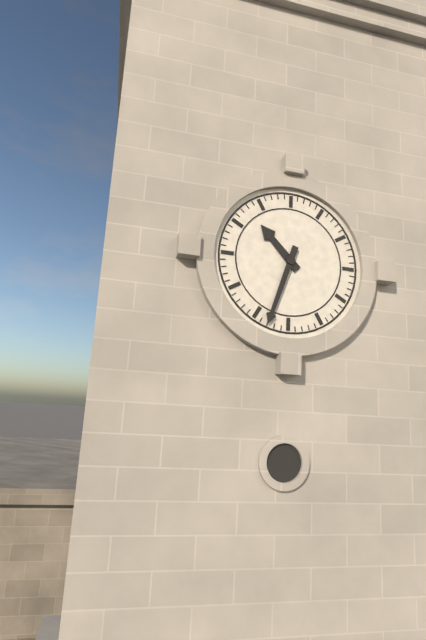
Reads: **10:33**
